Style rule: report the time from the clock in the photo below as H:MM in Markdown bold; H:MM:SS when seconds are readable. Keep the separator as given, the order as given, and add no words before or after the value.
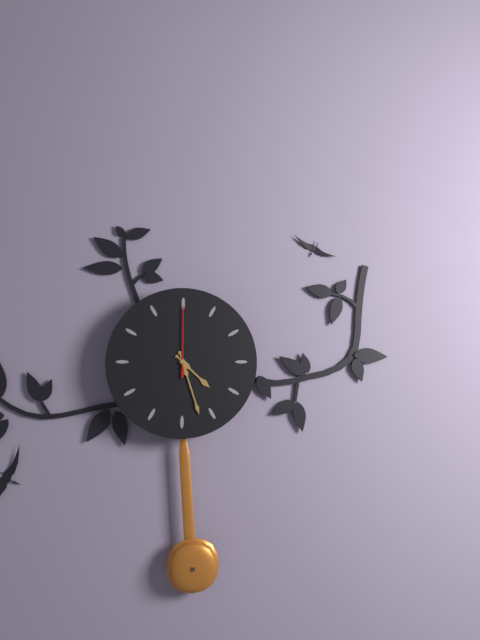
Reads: **4:27:00**
